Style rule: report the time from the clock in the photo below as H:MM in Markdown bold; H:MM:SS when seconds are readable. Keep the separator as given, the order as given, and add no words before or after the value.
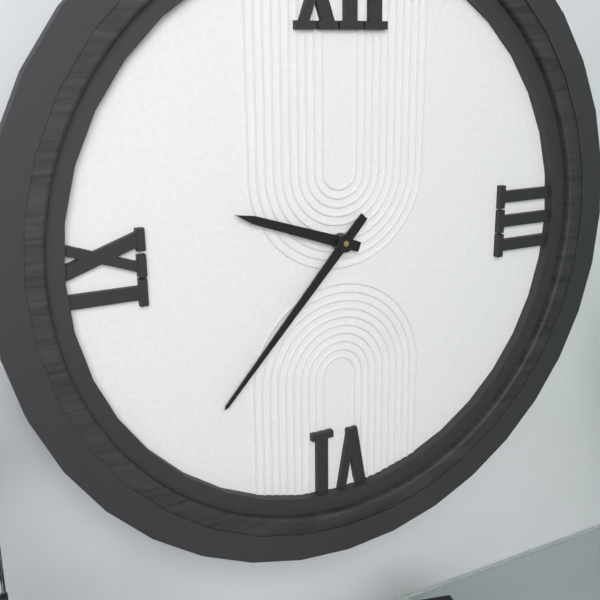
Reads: **9:37**
